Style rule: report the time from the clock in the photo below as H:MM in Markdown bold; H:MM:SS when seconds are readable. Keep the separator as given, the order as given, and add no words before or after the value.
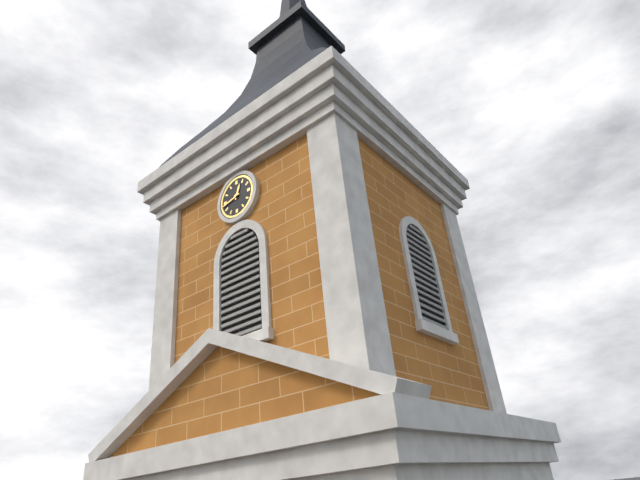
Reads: **12:43**
